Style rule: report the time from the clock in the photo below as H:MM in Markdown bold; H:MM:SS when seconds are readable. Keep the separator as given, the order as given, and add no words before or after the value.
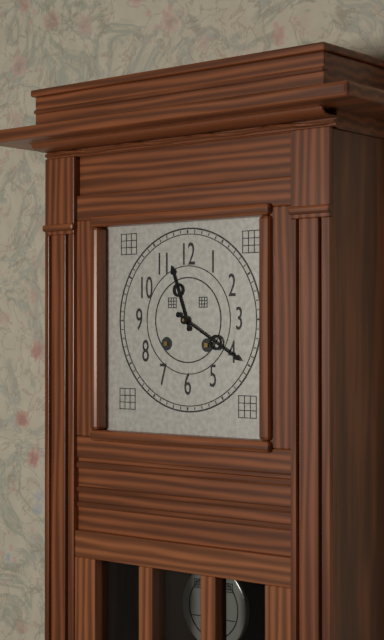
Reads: **11:20**
